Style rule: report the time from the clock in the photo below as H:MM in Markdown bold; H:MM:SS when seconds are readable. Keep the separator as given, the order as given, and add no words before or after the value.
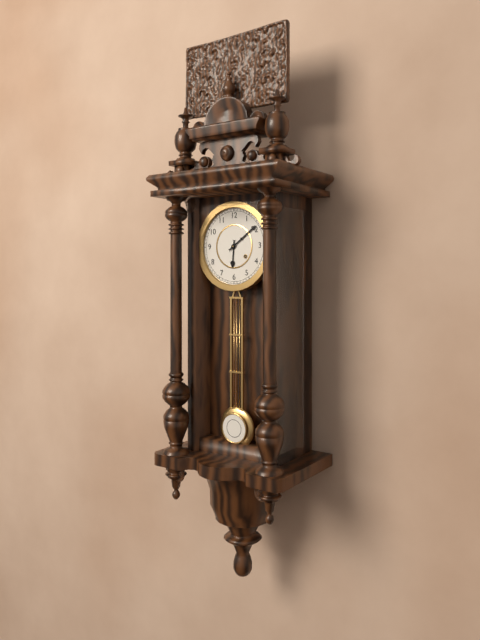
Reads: **6:09**
